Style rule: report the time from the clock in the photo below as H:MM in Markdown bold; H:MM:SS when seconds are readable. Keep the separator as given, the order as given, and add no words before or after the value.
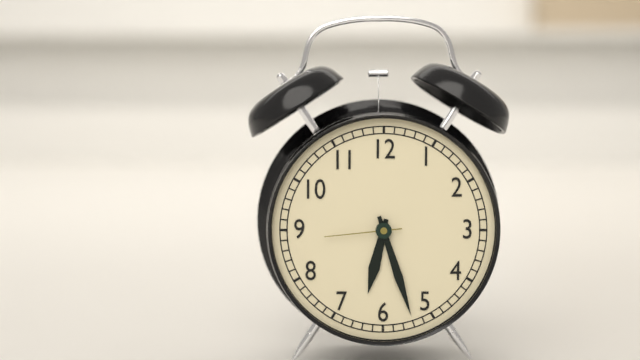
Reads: **6:27:44**
